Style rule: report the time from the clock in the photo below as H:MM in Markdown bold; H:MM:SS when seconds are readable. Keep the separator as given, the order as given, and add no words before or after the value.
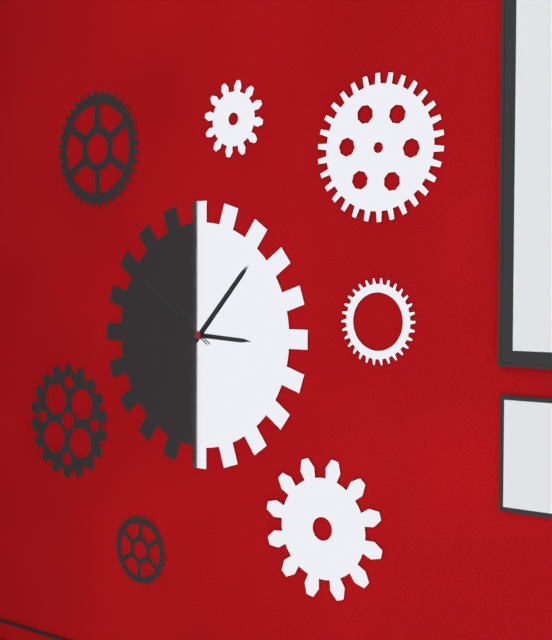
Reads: **3:07:51**
